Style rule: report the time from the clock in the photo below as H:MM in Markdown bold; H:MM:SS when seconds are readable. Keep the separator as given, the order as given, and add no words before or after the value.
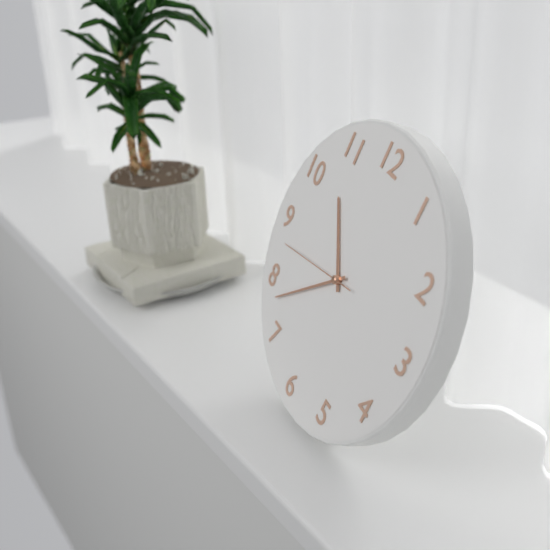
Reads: **10:38:43**
